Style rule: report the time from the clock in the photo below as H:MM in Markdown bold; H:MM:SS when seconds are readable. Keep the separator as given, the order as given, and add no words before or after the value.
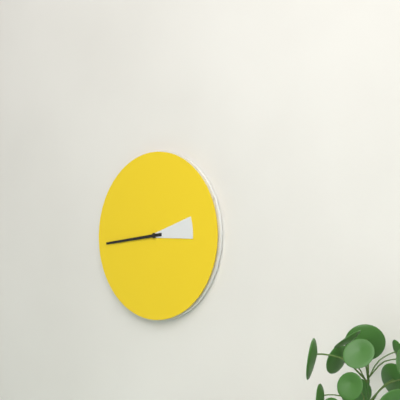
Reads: **2:44**
